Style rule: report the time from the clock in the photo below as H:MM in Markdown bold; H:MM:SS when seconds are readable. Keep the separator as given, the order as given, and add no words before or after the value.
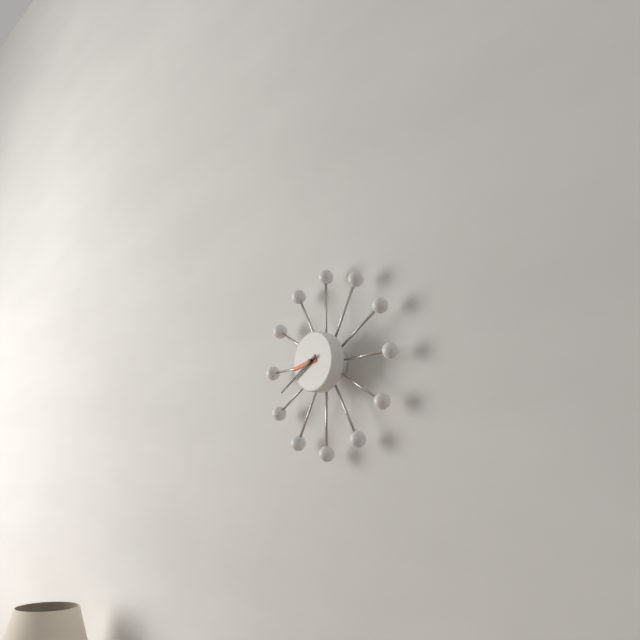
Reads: **8:40**
